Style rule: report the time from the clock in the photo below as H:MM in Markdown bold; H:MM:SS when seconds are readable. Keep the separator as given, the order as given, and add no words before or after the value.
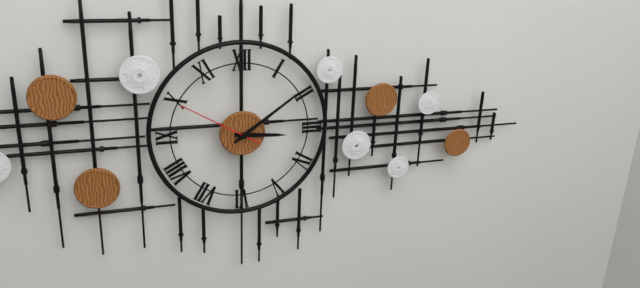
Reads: **3:09:50**
